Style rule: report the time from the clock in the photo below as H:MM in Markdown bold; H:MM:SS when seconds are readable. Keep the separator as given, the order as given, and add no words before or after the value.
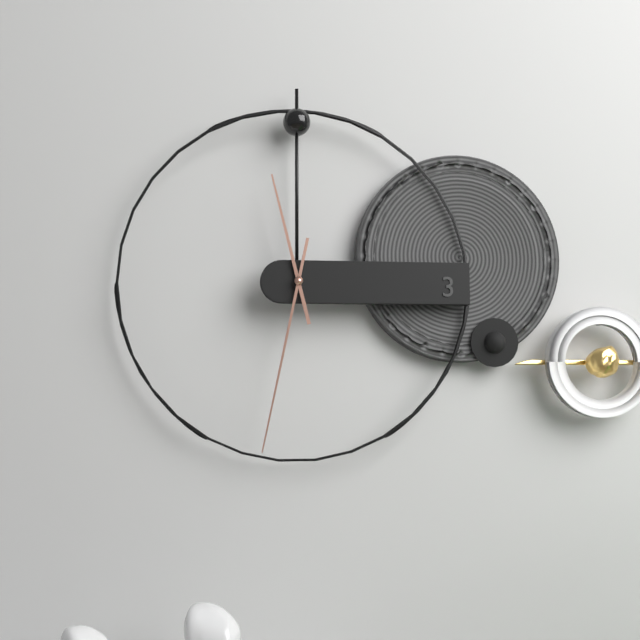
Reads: **11:32**
